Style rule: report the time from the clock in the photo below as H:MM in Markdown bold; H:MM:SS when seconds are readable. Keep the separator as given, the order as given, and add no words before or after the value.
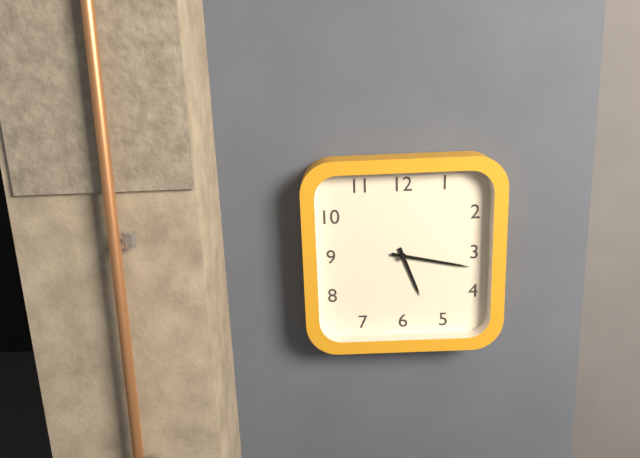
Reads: **5:17**
